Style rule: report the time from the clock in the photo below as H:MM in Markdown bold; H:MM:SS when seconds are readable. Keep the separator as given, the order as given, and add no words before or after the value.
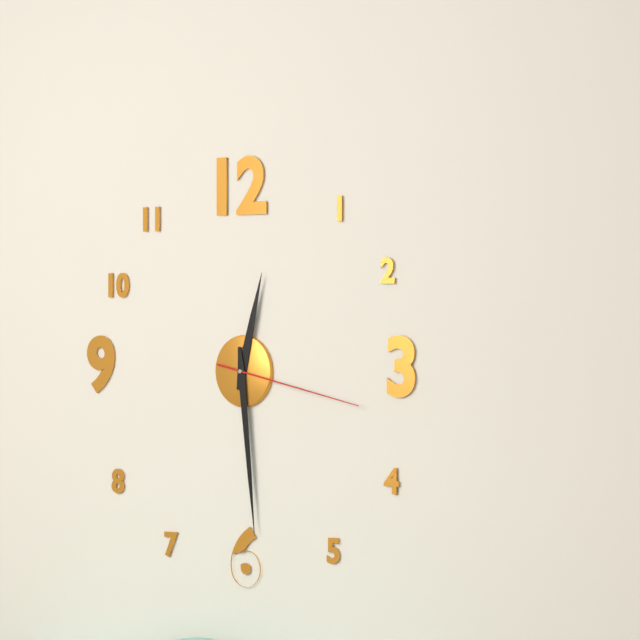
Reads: **12:29:17**
